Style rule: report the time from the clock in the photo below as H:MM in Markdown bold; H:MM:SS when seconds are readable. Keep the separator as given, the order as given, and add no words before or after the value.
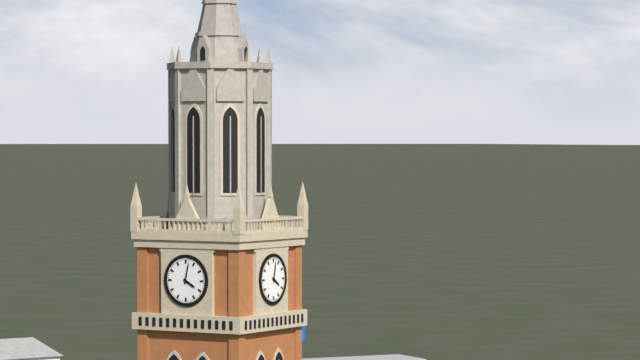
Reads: **4:02**
